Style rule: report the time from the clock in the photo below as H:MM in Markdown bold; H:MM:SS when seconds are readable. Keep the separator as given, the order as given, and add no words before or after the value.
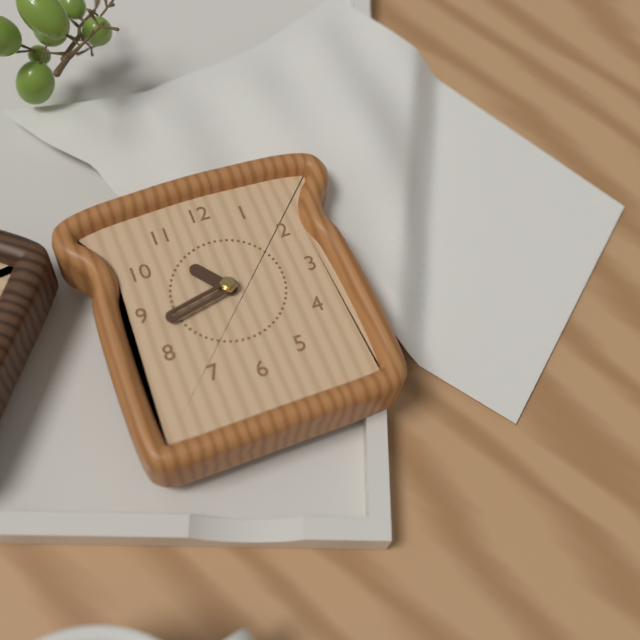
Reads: **10:43**
